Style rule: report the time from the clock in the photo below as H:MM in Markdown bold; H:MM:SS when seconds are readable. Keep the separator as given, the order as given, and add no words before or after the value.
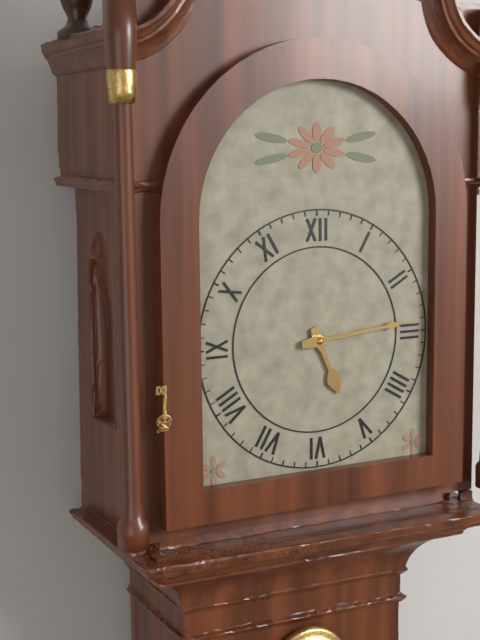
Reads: **5:14**
